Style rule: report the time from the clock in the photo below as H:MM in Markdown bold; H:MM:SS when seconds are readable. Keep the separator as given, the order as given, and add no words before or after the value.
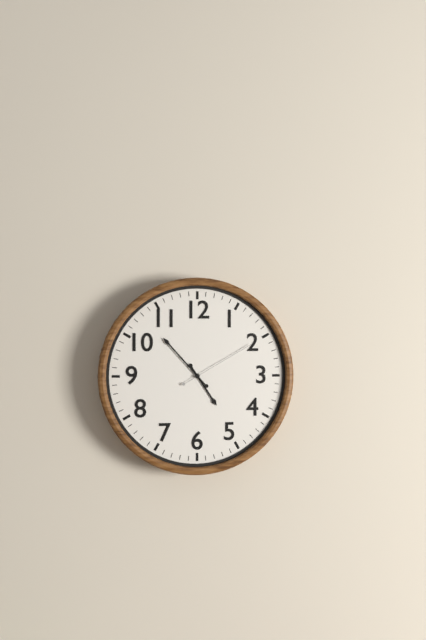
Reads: **4:53:10**
